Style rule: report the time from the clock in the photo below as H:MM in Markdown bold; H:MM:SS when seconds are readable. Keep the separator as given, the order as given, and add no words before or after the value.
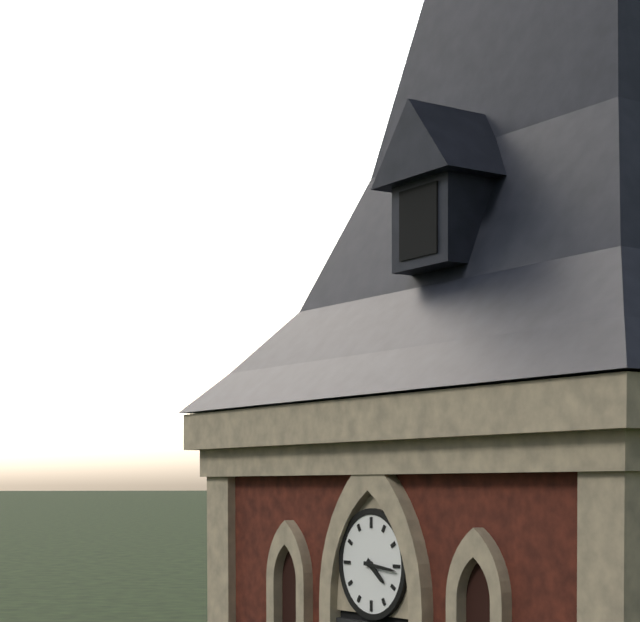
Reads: **4:16**
